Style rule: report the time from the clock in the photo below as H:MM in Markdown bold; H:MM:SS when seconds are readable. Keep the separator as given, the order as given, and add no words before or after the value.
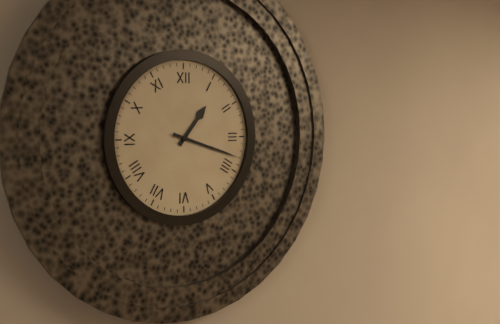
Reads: **1:18**
